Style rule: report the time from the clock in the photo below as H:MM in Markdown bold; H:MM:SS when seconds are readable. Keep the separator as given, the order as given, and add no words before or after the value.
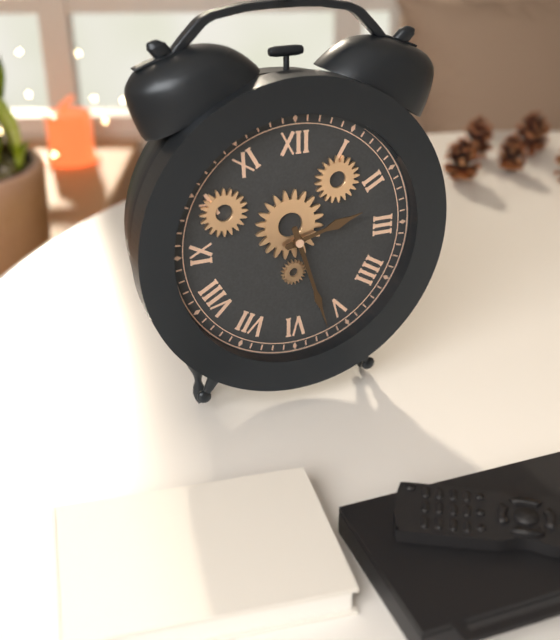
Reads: **2:27**
